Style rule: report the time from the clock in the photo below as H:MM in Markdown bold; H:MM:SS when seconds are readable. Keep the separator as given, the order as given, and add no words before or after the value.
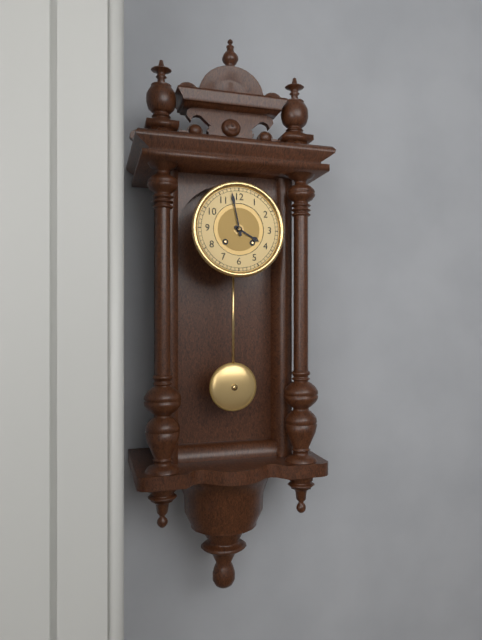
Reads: **3:58**
